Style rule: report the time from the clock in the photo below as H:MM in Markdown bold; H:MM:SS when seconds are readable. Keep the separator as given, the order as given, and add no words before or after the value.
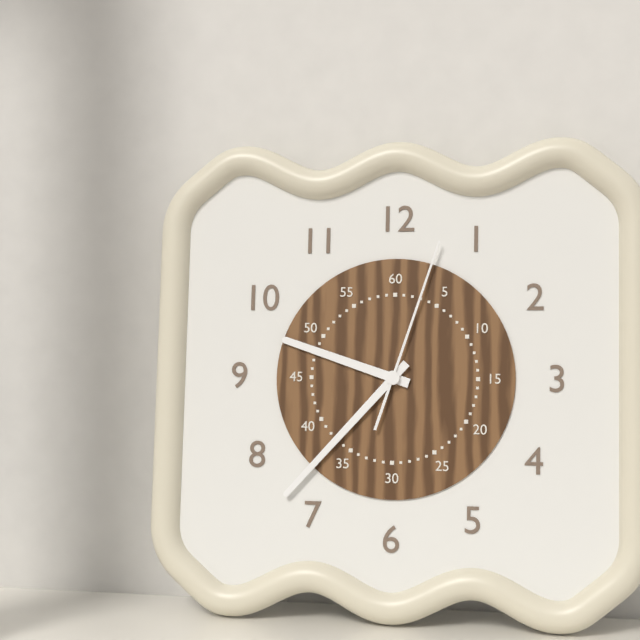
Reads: **9:37:03**
